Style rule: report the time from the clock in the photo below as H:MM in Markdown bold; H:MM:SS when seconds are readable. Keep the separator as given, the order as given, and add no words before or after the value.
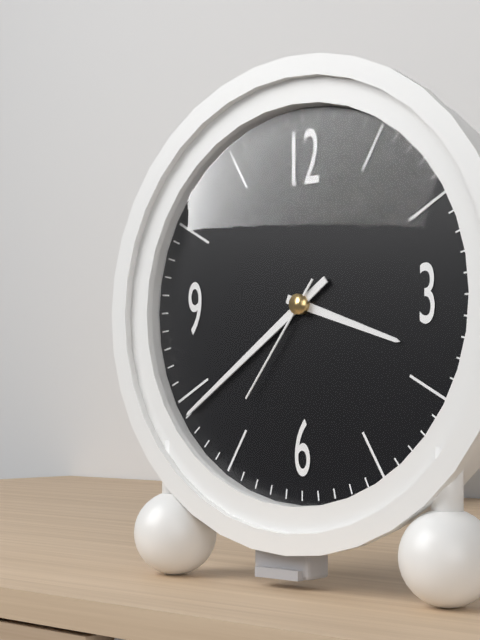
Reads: **3:39:36**
